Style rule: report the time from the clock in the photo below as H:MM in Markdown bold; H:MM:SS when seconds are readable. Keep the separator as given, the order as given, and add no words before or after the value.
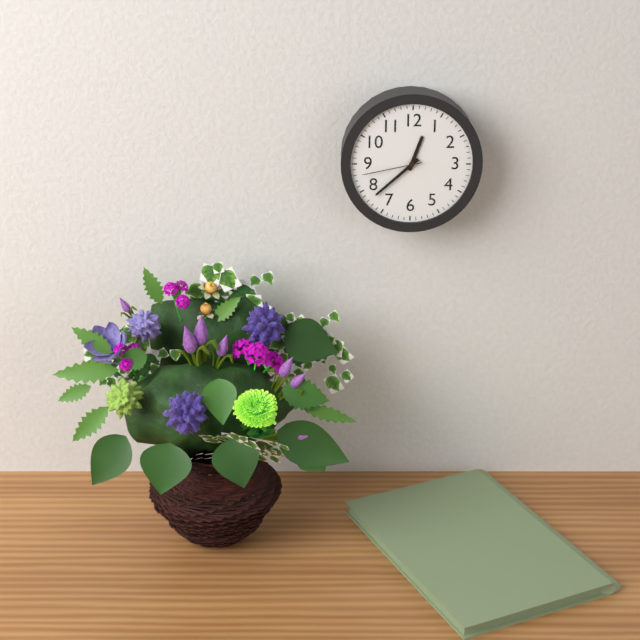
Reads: **12:38:43**
